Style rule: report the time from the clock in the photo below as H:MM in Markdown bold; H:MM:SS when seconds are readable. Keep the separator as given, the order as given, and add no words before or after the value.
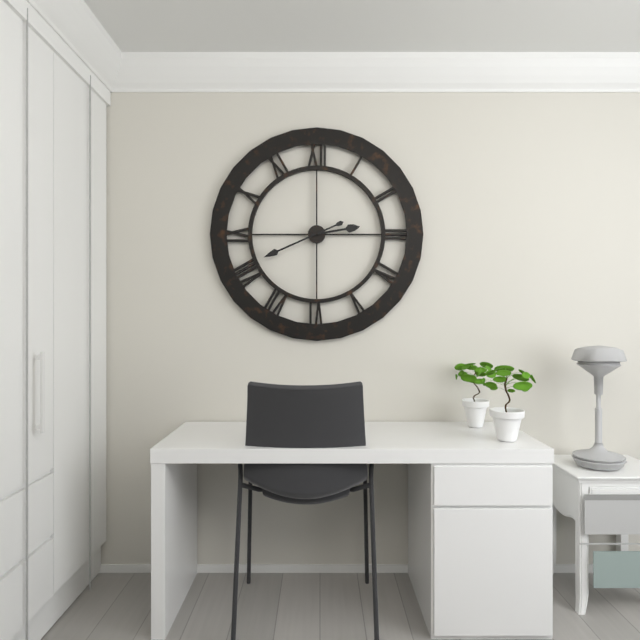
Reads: **2:41**
